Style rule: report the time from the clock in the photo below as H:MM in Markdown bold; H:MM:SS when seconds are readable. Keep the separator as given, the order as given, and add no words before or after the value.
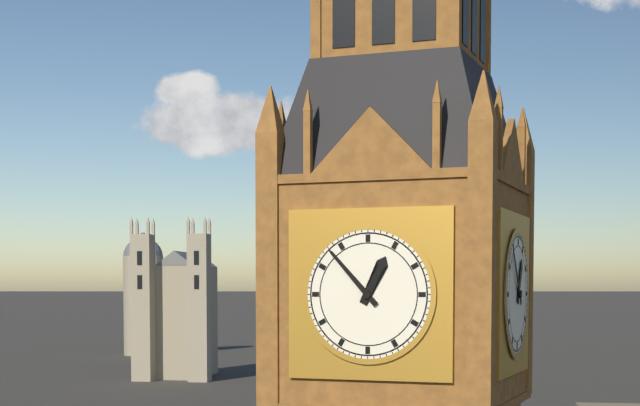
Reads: **12:53**
